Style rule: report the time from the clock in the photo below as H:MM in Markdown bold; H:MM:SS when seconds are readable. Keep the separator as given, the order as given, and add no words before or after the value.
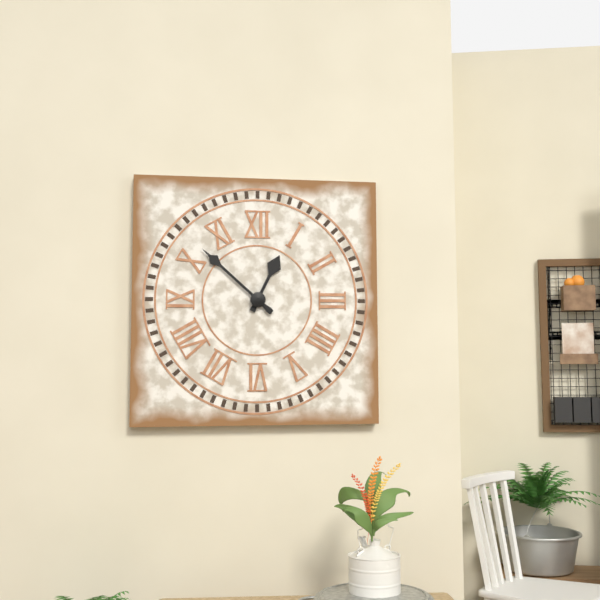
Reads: **12:52**
